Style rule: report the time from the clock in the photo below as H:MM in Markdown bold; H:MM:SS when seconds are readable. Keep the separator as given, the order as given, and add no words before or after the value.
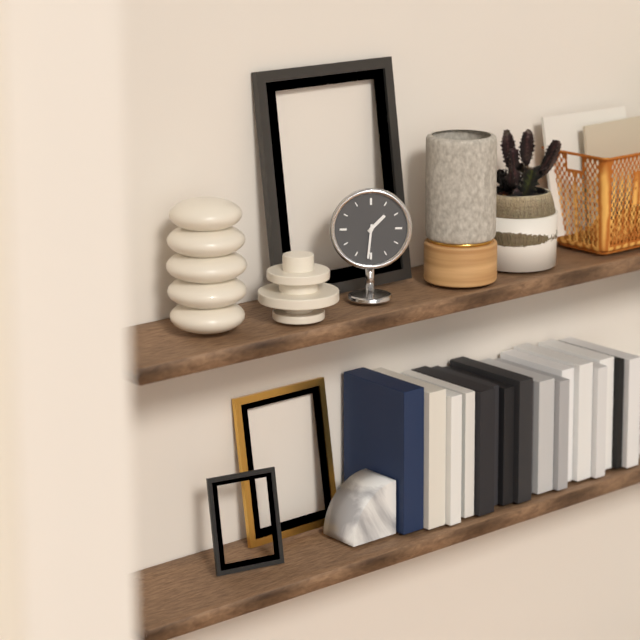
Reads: **1:31**
